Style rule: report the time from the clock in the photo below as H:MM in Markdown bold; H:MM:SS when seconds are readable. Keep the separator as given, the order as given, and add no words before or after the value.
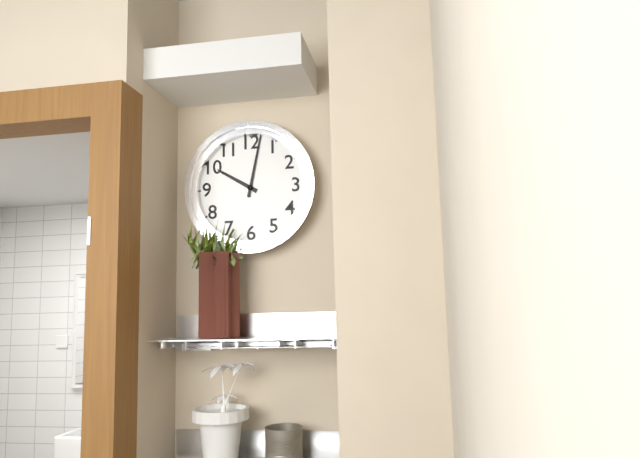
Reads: **10:02**
